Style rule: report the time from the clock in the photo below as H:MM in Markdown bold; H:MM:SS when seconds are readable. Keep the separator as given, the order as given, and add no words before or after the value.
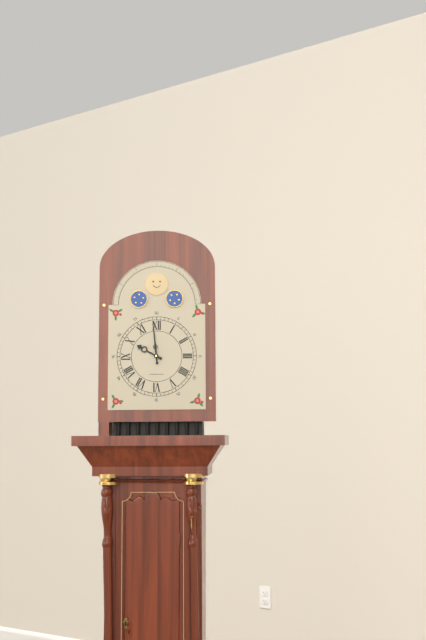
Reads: **9:59**
